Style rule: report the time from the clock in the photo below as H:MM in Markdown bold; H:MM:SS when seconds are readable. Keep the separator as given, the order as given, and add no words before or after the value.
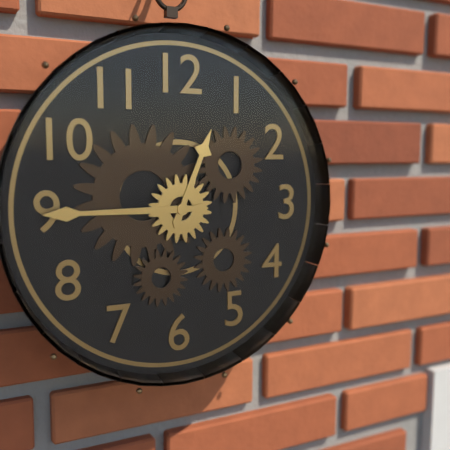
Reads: **12:45**
